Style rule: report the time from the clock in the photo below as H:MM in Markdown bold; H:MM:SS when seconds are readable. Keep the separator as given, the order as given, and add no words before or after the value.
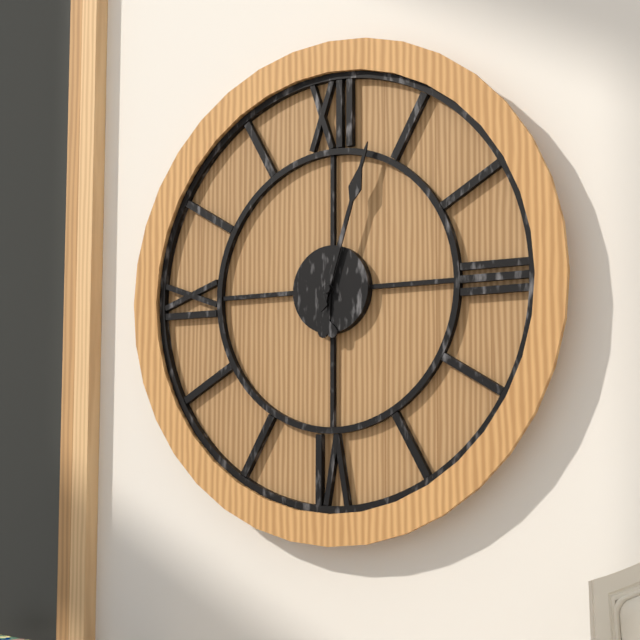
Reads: **6:03**
